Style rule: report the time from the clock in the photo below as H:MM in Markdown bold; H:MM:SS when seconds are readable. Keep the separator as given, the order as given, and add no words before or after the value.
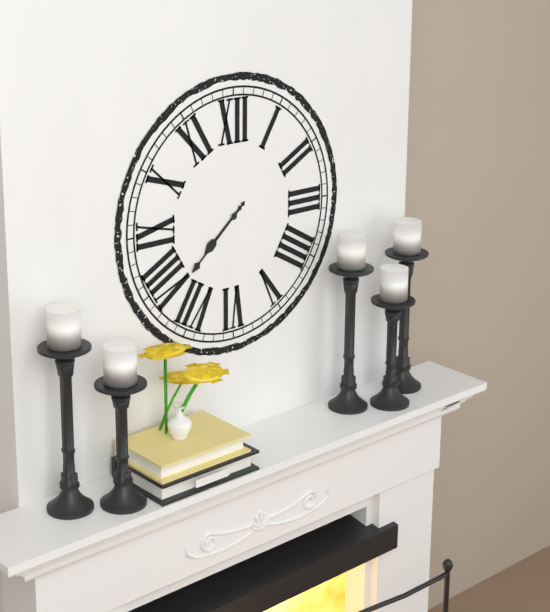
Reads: **7:38**
